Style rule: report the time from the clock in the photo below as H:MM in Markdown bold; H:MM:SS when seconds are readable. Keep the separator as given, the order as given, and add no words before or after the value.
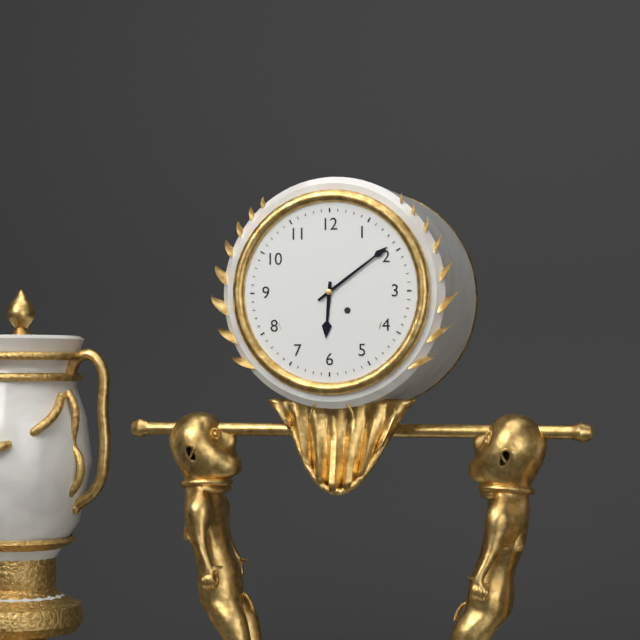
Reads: **6:09**
